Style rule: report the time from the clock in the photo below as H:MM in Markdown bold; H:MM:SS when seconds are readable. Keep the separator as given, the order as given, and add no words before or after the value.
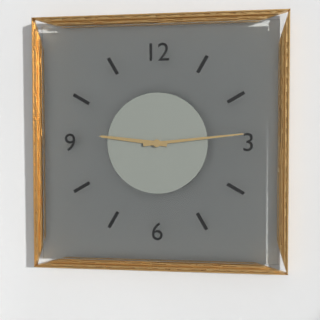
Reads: **9:14**
